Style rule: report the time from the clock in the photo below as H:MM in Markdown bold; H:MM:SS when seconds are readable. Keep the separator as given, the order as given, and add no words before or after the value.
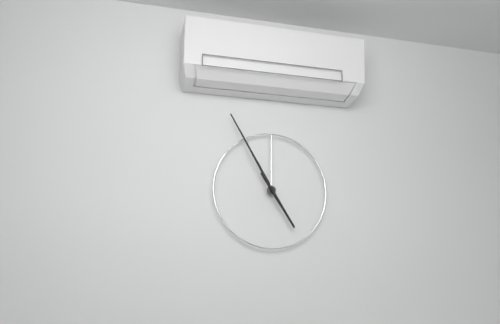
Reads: **4:55**
